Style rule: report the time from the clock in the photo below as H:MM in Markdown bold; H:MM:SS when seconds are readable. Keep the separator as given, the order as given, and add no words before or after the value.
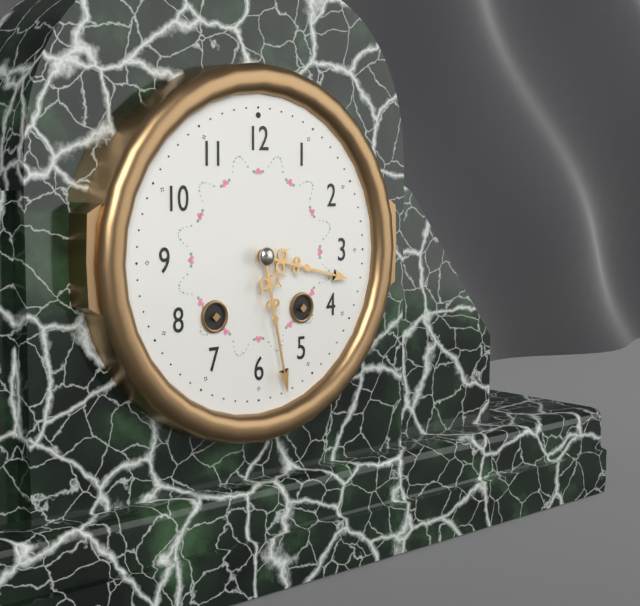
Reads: **3:28**
